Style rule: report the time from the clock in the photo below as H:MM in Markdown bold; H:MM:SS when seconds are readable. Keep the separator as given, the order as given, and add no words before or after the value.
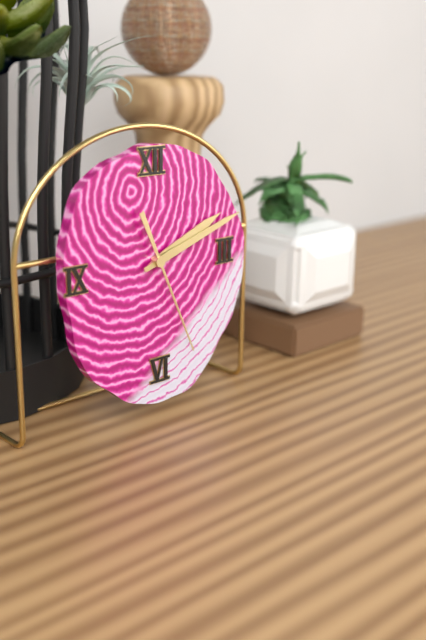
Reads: **2:12:26**
